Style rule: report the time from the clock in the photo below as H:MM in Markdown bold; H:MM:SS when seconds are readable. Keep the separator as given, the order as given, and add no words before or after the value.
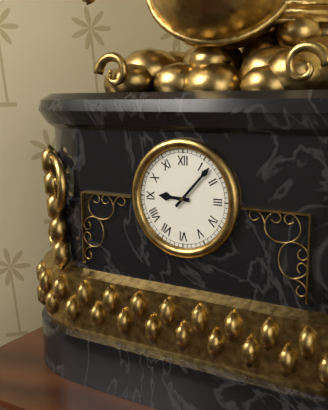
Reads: **9:07**
